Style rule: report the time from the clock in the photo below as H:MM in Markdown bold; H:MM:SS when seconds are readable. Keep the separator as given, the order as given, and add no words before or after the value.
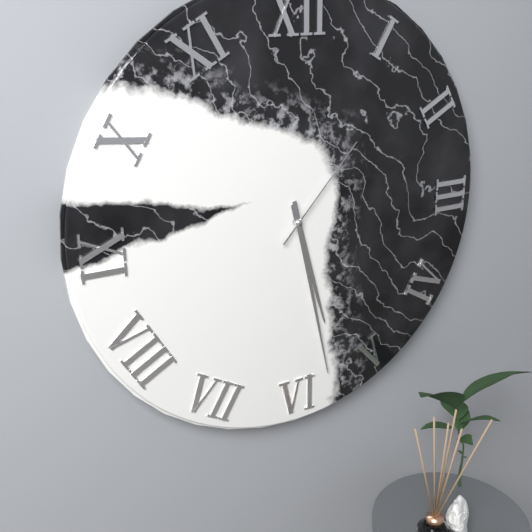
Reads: **5:28:07**
